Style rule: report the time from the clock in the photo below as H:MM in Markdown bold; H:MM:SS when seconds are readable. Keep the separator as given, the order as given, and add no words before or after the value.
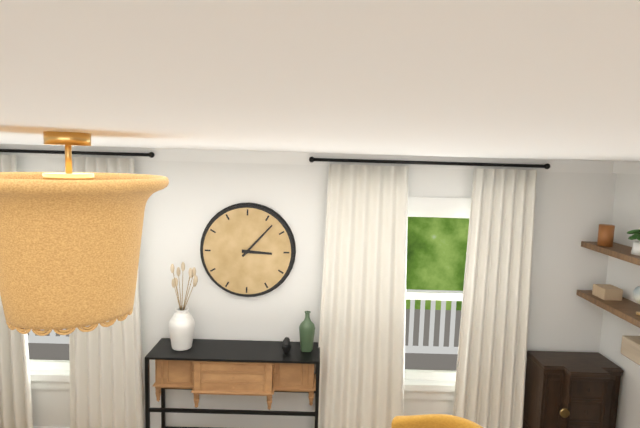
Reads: **3:07**
